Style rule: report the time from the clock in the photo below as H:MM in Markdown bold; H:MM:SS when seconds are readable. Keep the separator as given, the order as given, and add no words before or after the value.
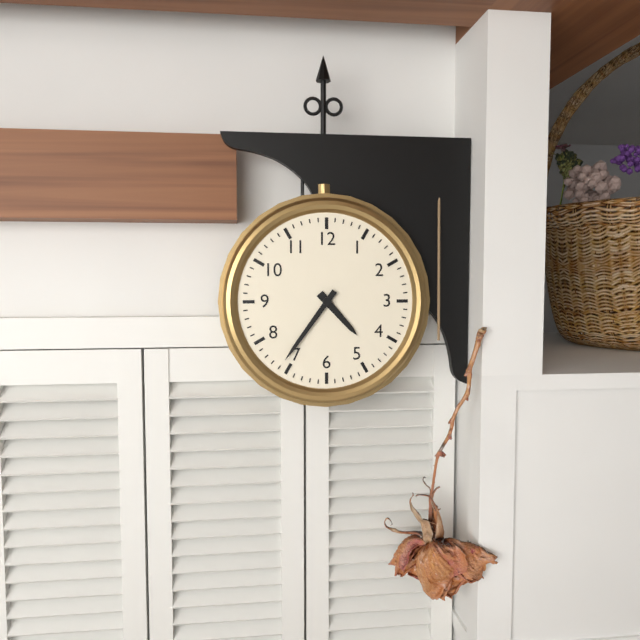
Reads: **4:36**
